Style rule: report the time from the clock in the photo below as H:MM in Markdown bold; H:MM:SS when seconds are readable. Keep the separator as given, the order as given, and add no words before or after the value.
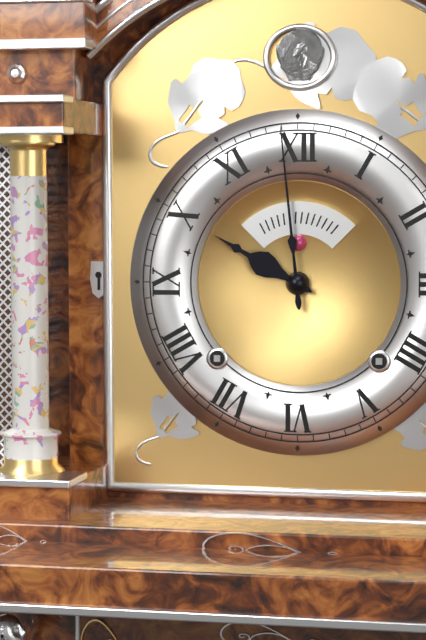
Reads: **9:59**
